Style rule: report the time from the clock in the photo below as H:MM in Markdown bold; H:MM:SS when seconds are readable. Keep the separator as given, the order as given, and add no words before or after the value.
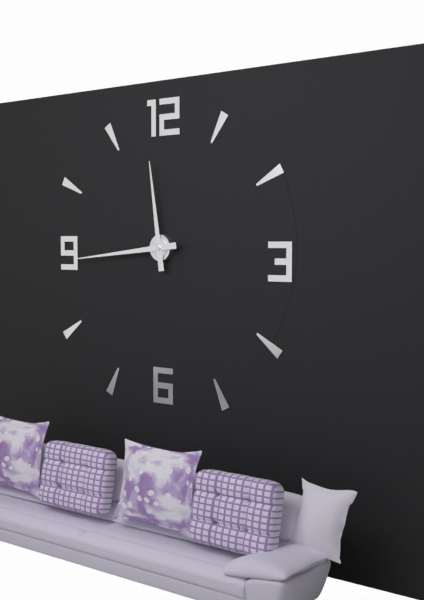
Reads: **11:44**
